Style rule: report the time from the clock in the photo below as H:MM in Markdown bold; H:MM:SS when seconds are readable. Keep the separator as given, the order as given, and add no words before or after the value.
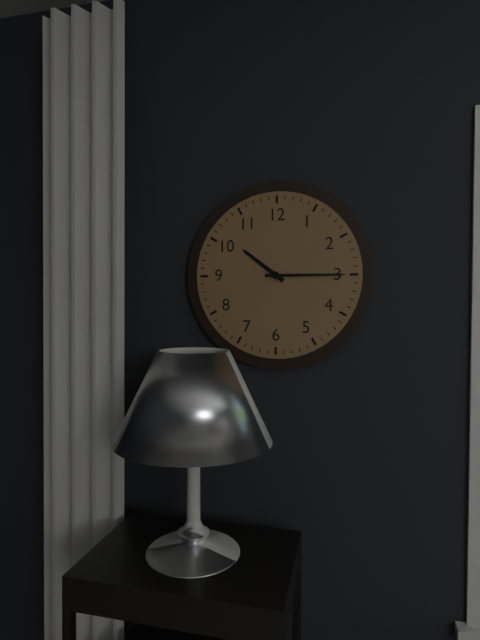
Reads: **10:15**
